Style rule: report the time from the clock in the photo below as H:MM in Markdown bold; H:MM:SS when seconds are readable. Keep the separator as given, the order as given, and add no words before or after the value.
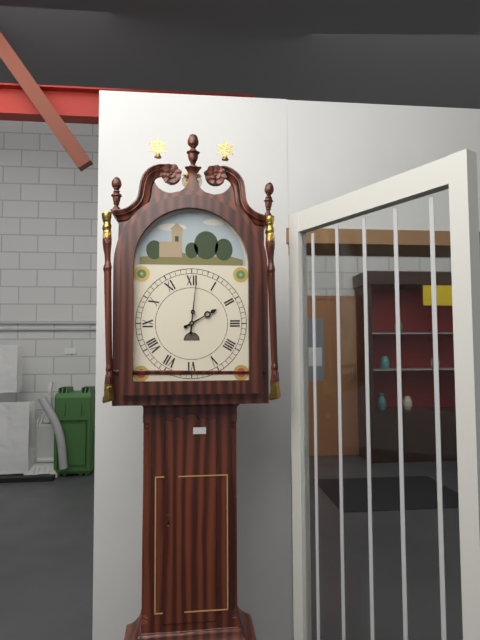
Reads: **2:01**
